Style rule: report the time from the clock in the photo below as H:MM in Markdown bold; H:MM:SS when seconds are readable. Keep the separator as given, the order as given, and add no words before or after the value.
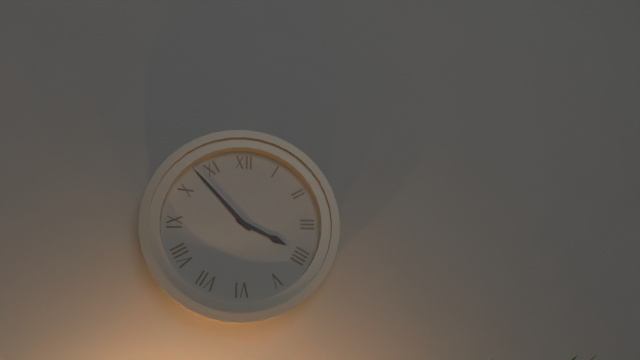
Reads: **3:53**
